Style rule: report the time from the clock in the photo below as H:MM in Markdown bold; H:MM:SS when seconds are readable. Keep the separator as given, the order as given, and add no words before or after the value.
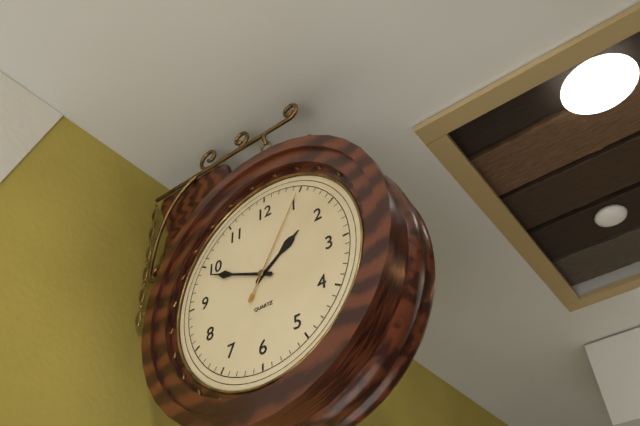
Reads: **1:49:05**
